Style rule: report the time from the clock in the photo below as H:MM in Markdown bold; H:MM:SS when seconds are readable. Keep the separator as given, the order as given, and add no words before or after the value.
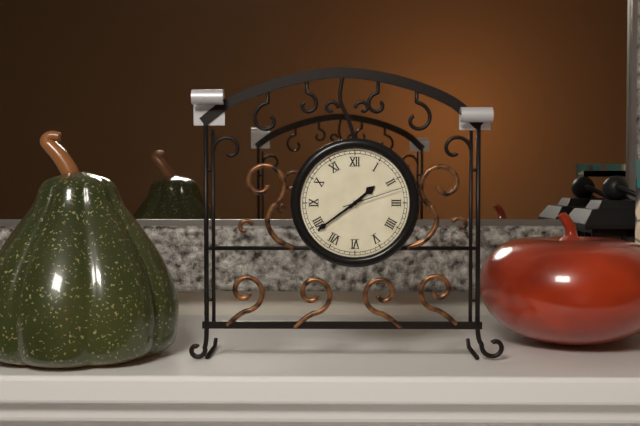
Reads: **1:39:12**
